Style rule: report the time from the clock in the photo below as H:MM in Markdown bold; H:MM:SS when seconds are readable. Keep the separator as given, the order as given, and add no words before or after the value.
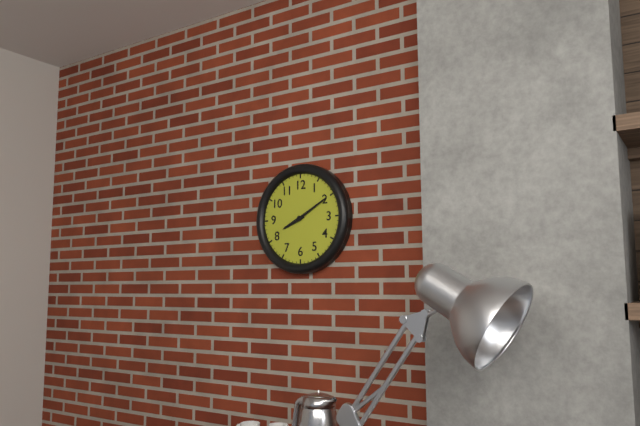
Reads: **8:10**
